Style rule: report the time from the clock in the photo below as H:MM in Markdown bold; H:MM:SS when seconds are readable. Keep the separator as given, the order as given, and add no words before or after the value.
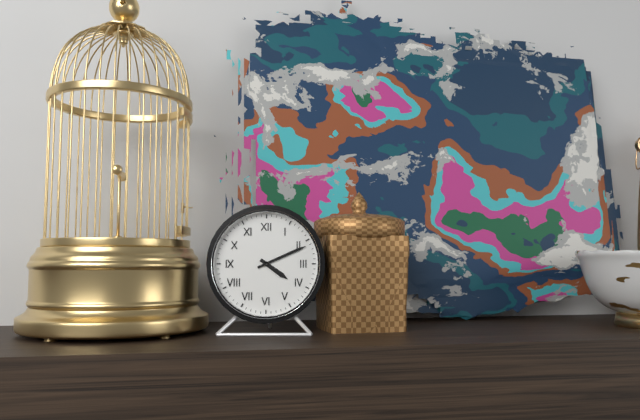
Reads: **4:11**
